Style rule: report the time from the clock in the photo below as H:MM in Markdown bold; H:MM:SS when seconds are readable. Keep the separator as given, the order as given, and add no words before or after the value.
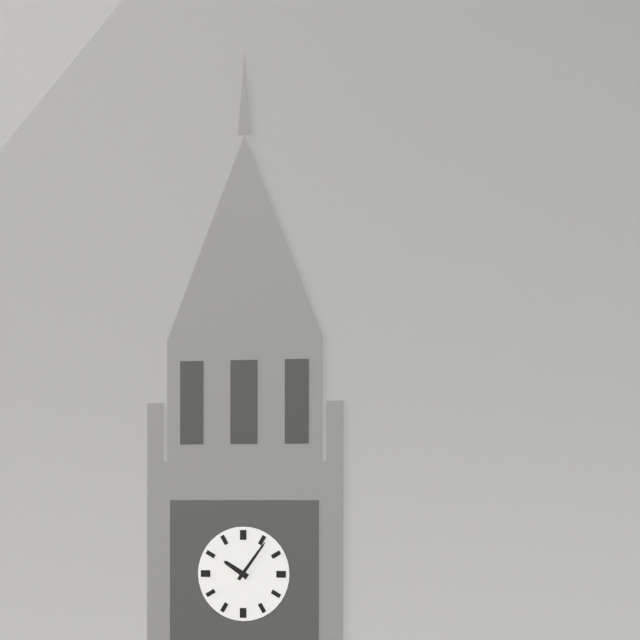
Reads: **10:06**
